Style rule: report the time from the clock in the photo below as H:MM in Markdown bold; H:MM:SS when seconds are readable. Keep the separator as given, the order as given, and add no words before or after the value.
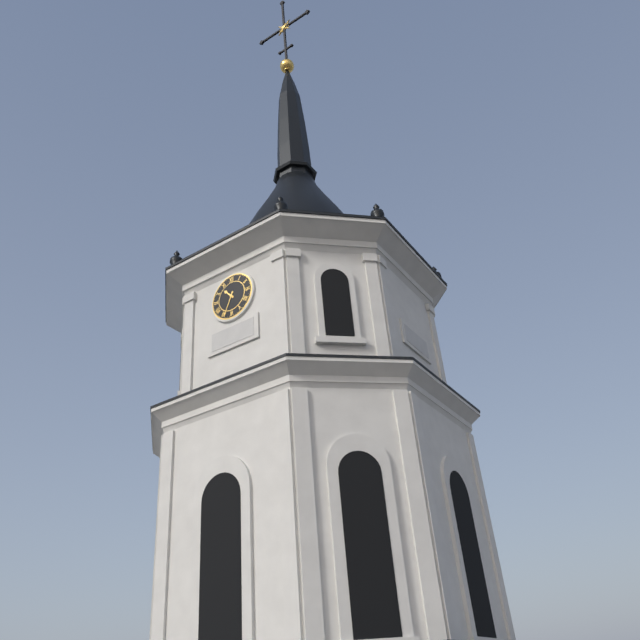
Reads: **10:34**
